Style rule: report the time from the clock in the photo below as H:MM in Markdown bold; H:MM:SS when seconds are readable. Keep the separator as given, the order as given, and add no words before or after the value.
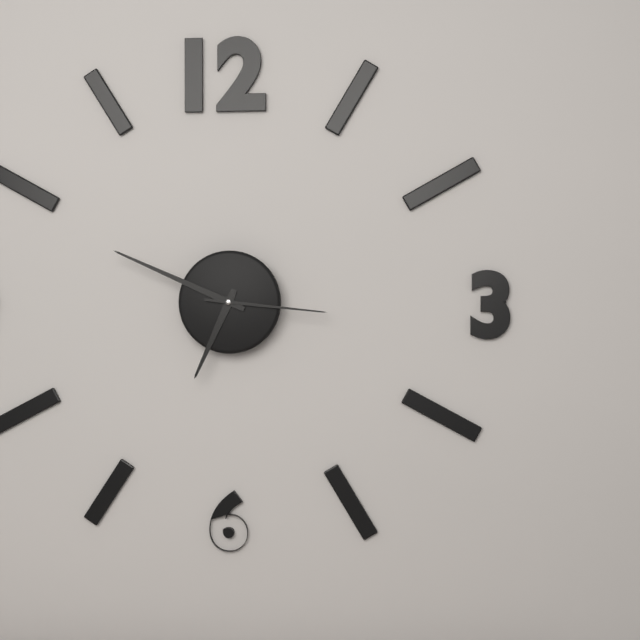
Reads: **6:49:16**
